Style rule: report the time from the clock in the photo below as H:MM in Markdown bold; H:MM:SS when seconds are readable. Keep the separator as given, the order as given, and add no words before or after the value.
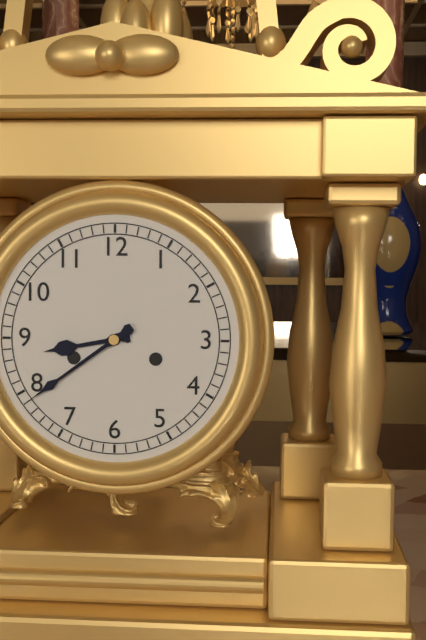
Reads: **8:39**
